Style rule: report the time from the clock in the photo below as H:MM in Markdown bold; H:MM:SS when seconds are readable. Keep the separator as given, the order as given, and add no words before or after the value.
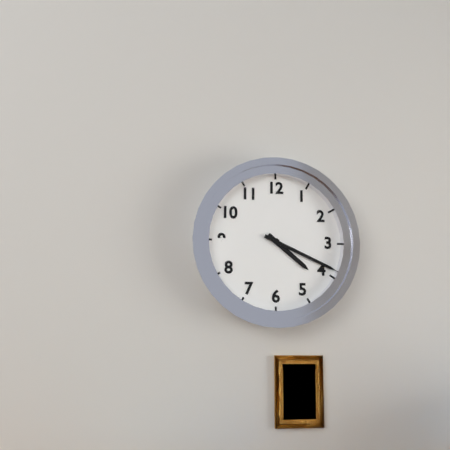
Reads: **4:19**
